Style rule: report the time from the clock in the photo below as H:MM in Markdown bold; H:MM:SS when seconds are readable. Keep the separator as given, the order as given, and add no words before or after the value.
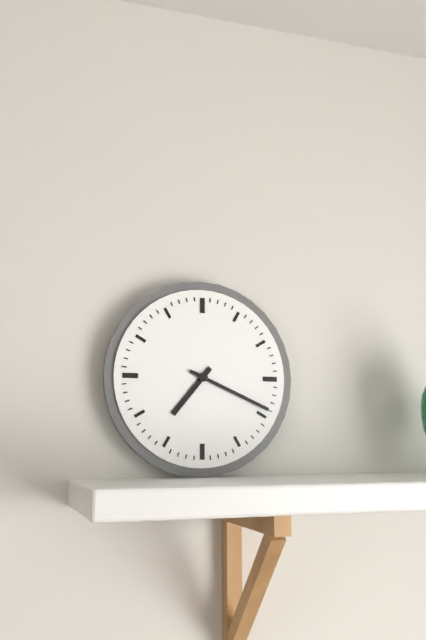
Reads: **7:19**
